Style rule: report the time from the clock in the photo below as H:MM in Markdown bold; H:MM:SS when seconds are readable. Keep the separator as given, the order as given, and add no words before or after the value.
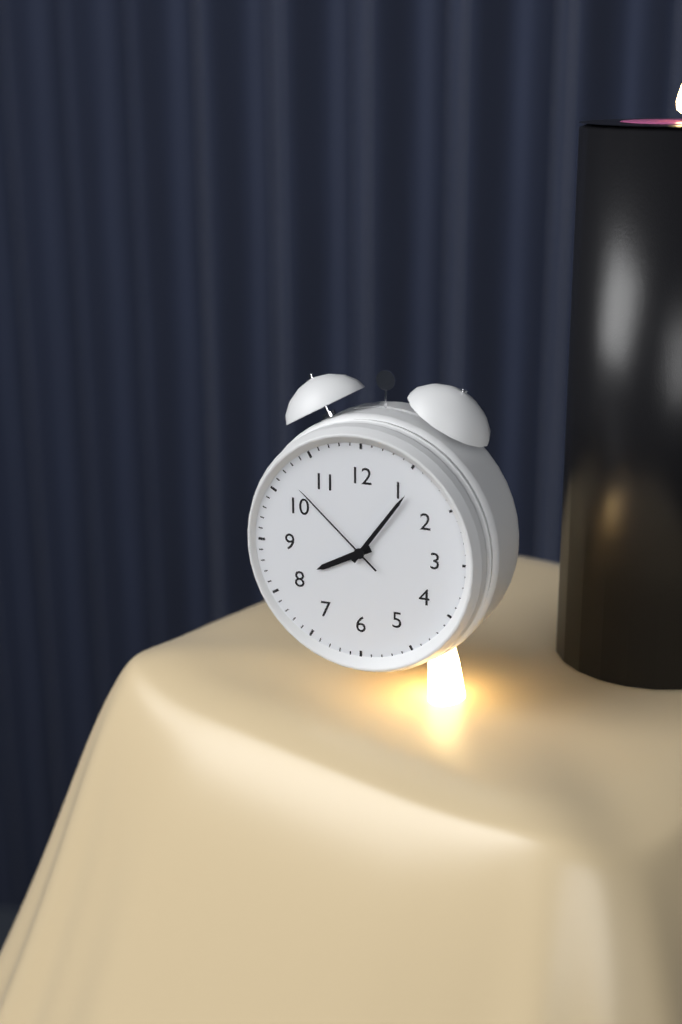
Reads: **8:06:52**
